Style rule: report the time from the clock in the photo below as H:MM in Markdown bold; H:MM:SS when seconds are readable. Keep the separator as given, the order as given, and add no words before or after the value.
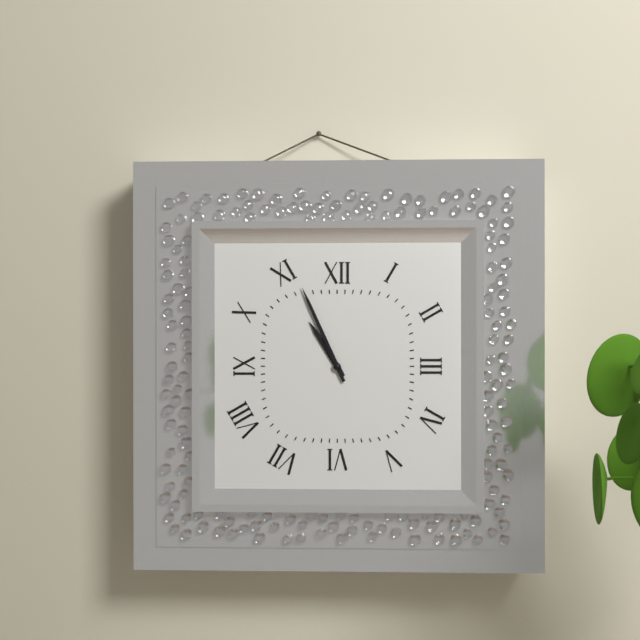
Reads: **10:56**
